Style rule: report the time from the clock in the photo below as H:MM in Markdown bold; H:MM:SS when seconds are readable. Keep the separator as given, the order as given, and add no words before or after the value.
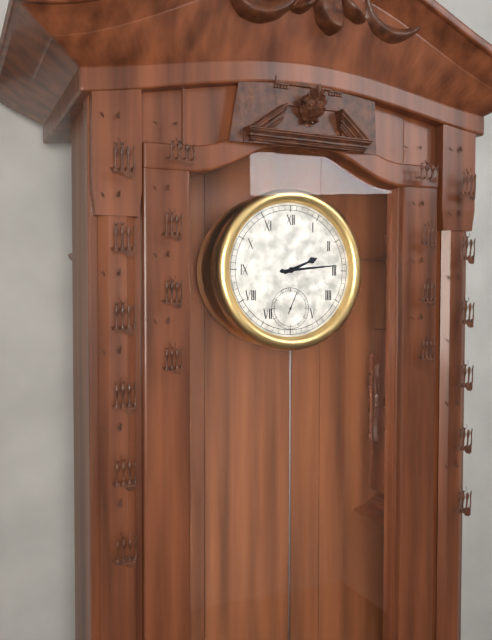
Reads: **2:14**
